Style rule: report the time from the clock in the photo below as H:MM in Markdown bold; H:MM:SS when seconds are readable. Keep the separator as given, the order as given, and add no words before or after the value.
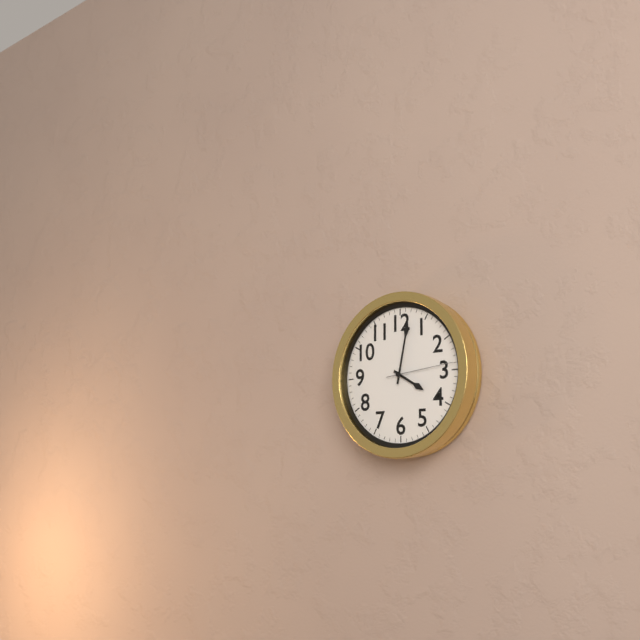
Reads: **4:02:14**
